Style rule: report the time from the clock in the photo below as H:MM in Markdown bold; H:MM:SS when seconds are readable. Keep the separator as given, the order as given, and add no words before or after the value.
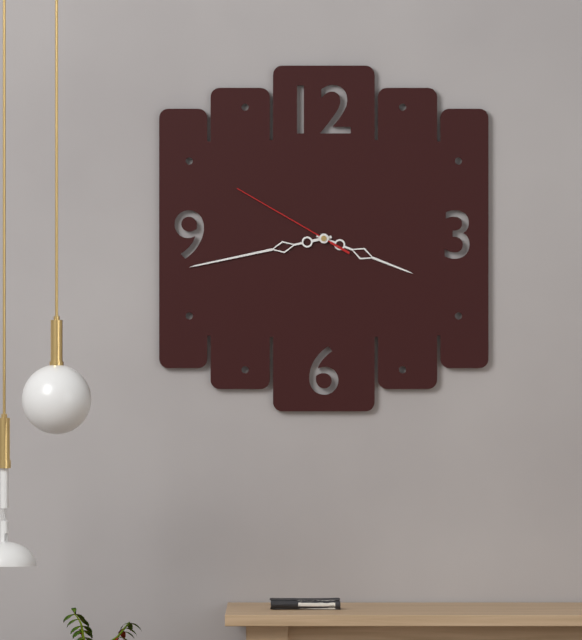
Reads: **3:43:50**
